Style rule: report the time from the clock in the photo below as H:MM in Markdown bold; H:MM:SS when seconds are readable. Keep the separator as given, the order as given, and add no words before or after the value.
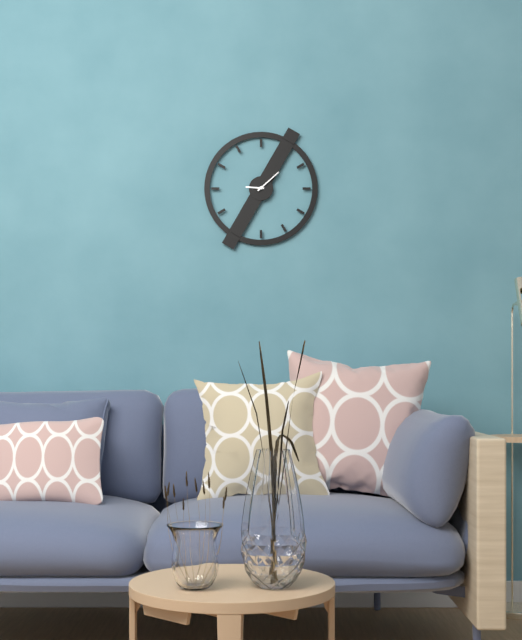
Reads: **9:08**
